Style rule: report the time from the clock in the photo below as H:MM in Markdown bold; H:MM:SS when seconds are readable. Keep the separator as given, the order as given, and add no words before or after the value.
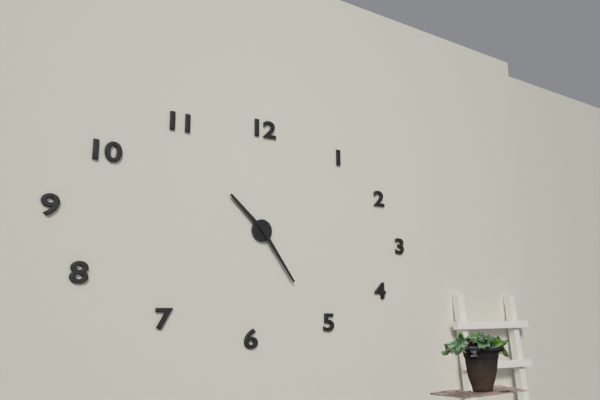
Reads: **10:24**
